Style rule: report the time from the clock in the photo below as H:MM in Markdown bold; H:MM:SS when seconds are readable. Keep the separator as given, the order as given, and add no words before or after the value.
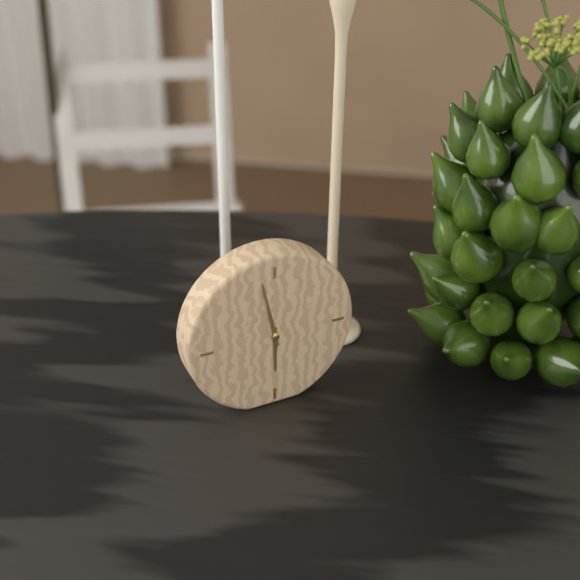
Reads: **5:58**
